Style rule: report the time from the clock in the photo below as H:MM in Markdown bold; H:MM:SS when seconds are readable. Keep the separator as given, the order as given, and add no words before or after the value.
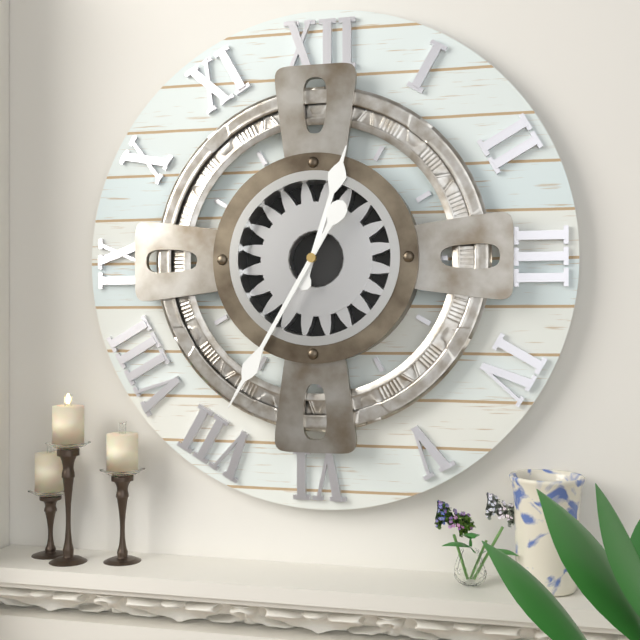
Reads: **12:35**
